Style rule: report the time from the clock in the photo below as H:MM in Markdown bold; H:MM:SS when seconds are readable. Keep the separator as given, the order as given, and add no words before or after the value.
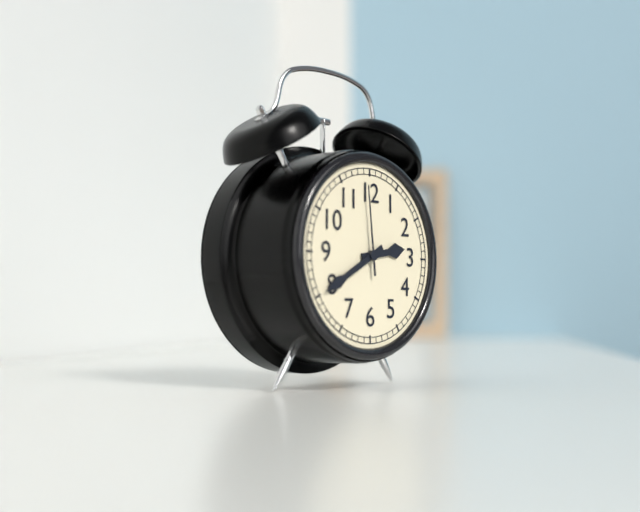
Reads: **2:40:59**
